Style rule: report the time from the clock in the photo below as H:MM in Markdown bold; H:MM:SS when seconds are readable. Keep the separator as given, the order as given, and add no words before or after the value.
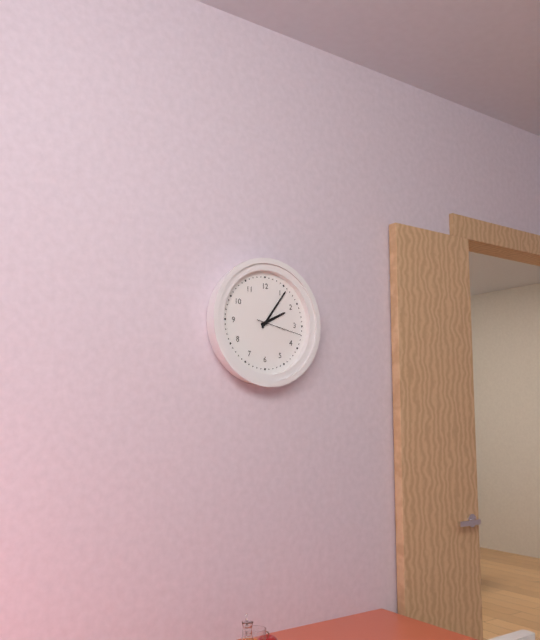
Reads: **2:06**
